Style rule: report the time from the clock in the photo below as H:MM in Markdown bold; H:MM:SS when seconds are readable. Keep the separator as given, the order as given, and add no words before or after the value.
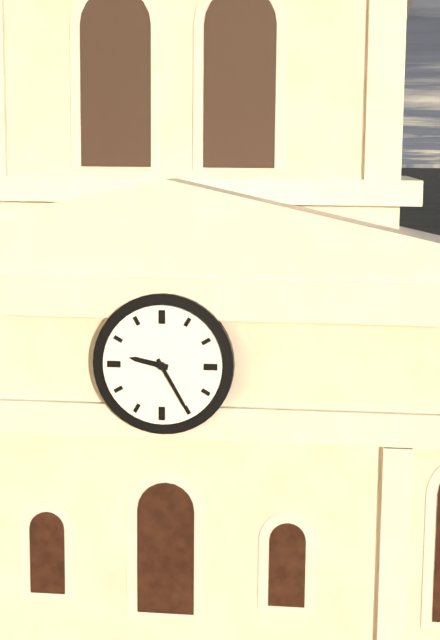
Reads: **9:25**
